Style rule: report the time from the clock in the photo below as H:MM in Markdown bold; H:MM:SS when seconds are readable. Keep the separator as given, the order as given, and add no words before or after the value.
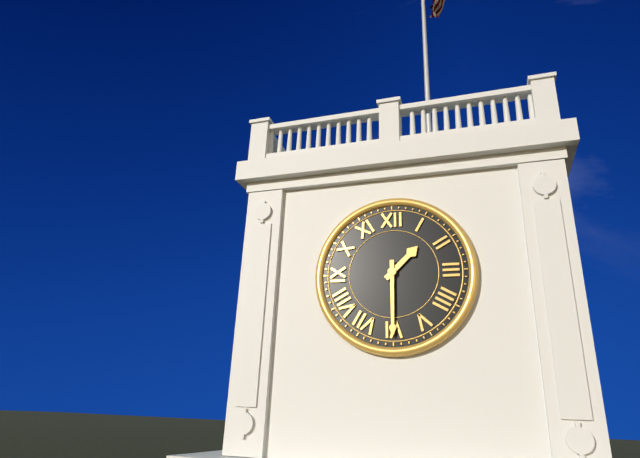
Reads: **1:30**
